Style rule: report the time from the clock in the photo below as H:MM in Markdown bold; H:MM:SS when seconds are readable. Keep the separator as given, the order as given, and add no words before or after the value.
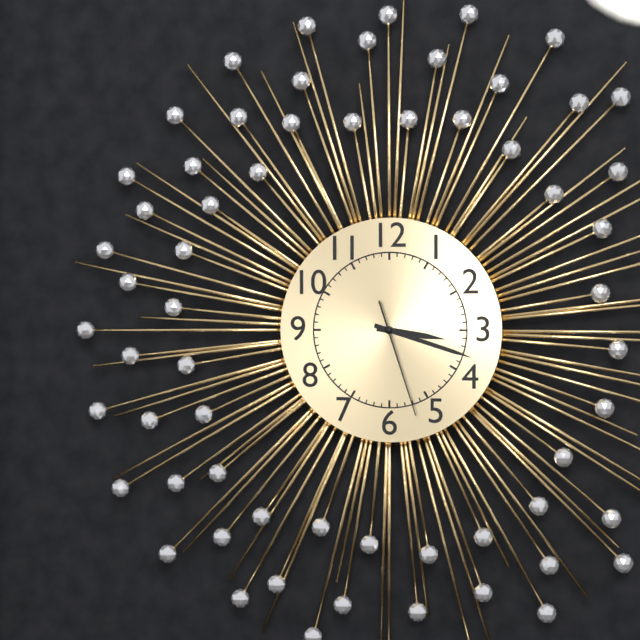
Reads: **3:18:27**
